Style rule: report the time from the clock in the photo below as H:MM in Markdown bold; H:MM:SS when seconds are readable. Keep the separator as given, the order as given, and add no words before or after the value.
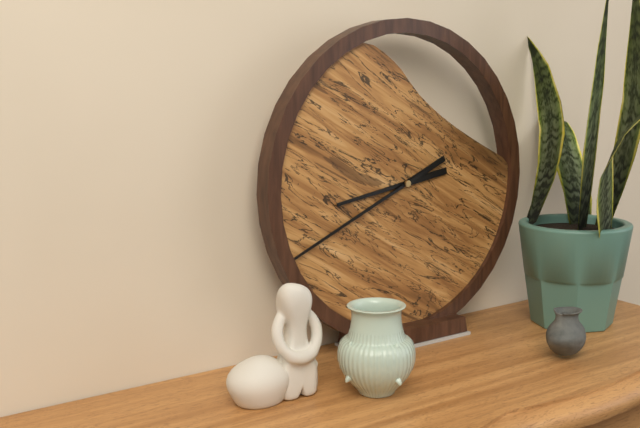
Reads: **8:41**
